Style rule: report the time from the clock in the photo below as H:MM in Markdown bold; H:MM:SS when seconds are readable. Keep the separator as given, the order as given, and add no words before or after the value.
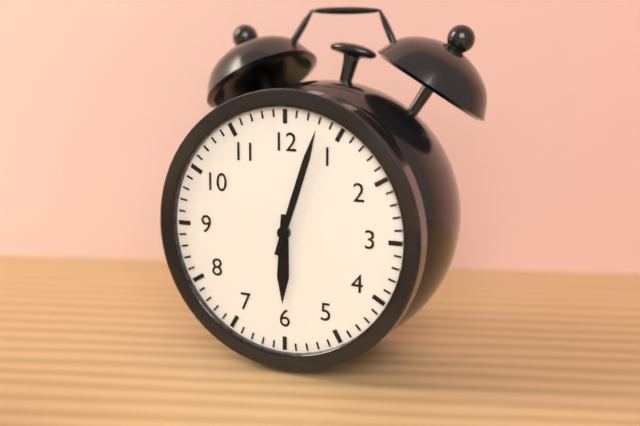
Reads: **6:03**
